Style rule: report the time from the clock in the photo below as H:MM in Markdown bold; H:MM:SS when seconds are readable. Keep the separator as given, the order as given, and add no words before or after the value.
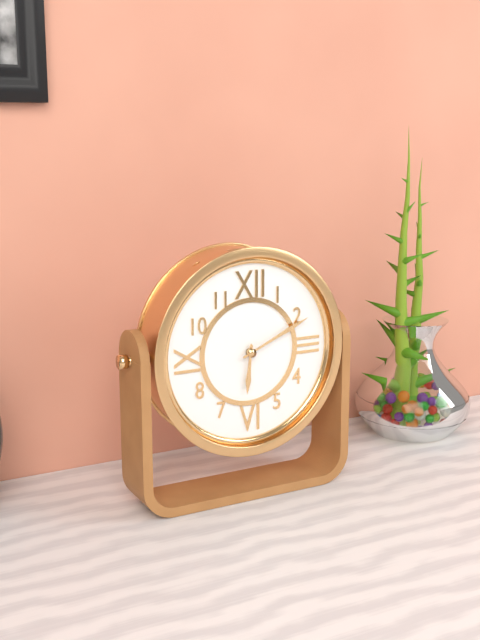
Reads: **6:11**
